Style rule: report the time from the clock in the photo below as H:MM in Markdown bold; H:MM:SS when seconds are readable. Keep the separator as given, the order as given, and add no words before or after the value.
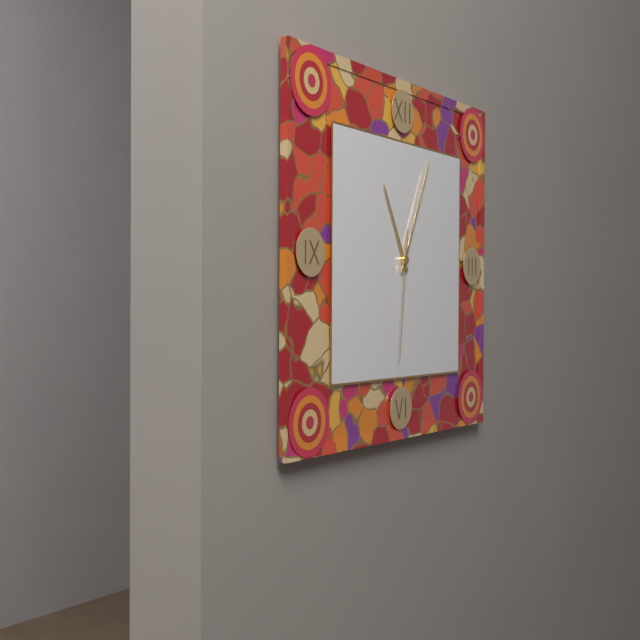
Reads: **11:04:31**
